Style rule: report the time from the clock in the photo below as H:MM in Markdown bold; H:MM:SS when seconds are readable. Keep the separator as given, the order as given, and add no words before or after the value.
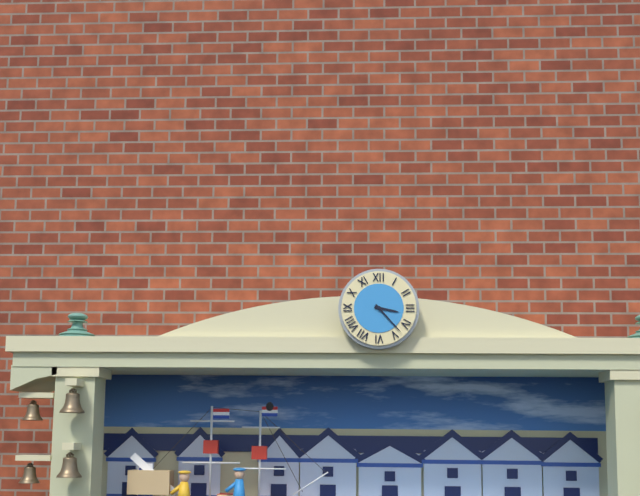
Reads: **3:23**
